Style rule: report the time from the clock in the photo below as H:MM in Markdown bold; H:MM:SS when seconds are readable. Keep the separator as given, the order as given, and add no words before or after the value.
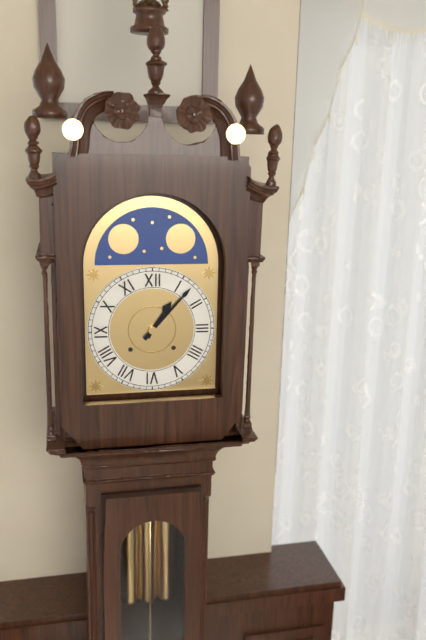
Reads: **1:07**
